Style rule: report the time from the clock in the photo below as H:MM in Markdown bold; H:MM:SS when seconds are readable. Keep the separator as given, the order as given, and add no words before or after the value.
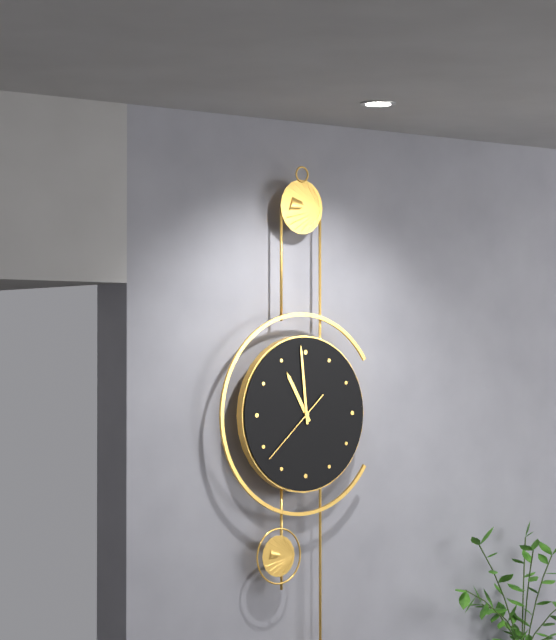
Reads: **10:59:38**
